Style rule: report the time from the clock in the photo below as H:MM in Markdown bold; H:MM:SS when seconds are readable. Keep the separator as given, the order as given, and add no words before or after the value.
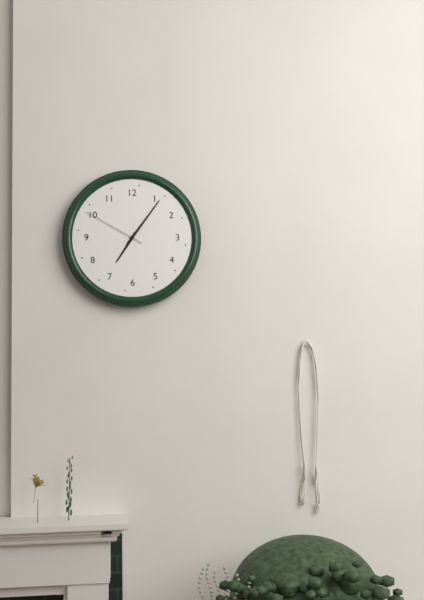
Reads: **7:06:50**
